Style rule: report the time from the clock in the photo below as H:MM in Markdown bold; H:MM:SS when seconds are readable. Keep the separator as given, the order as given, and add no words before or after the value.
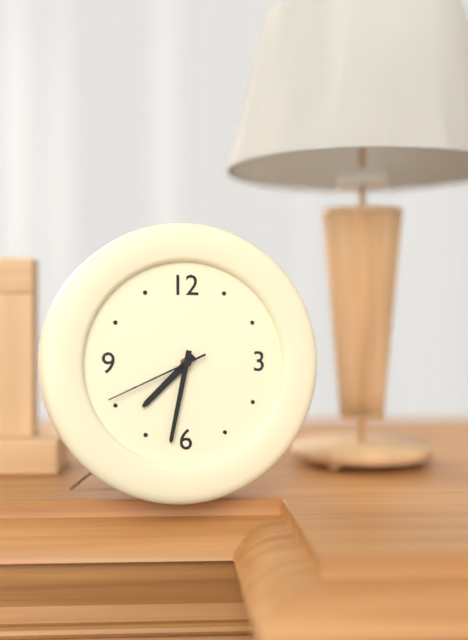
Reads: **7:32:41**
